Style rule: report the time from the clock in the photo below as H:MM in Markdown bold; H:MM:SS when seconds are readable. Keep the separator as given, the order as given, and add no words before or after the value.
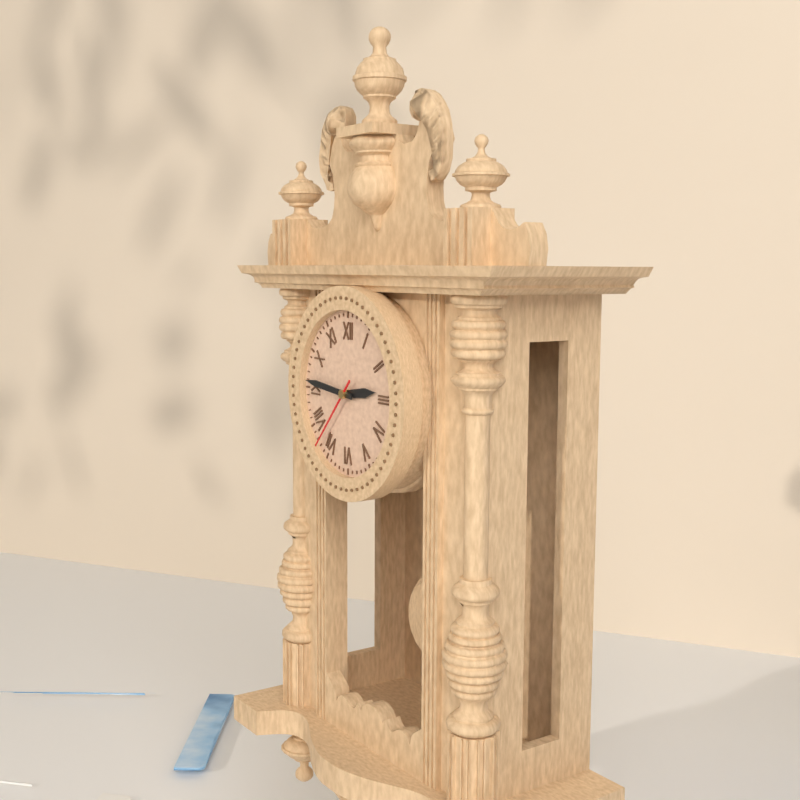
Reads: **2:46:37**
